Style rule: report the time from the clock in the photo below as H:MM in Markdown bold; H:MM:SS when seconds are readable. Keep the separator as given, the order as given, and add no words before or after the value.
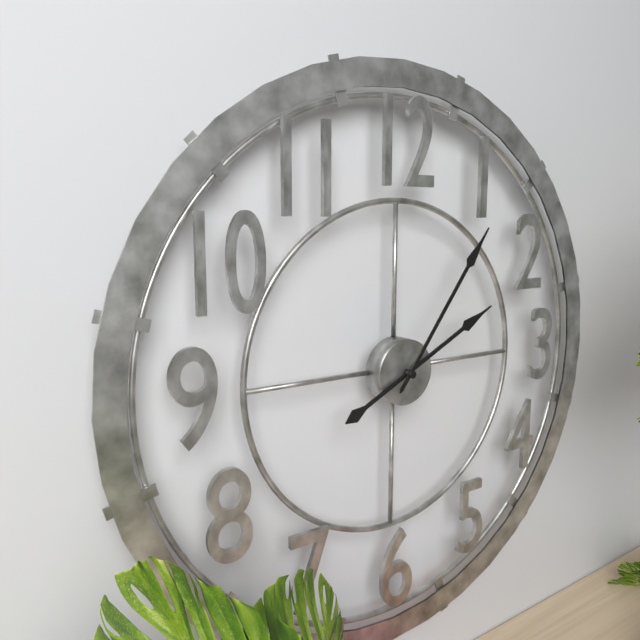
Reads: **2:06**
